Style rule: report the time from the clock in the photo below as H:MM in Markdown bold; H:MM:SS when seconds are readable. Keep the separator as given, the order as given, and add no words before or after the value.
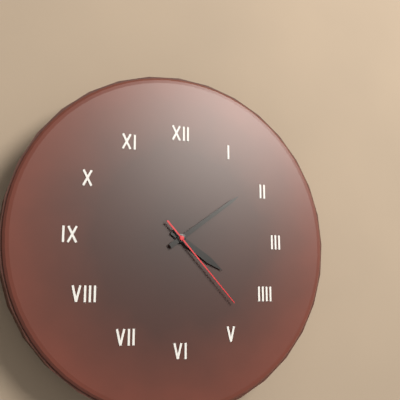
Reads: **4:09:23**
